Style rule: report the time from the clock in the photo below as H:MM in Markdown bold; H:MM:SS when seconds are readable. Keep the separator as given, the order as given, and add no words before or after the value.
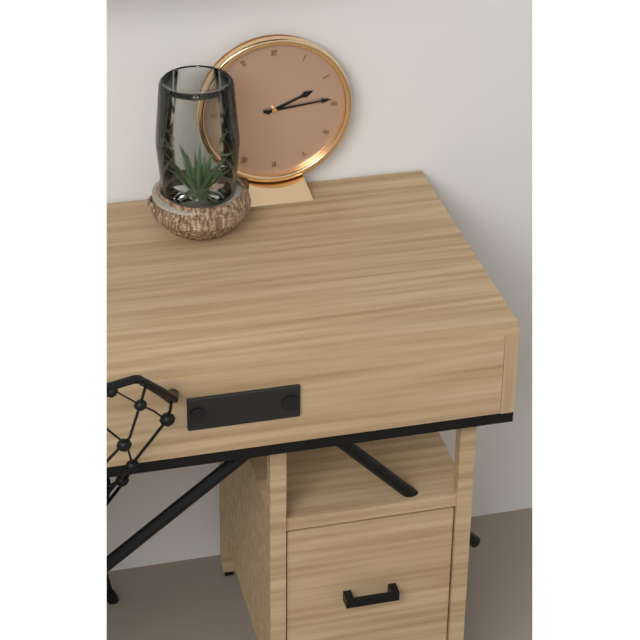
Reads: **2:14**
